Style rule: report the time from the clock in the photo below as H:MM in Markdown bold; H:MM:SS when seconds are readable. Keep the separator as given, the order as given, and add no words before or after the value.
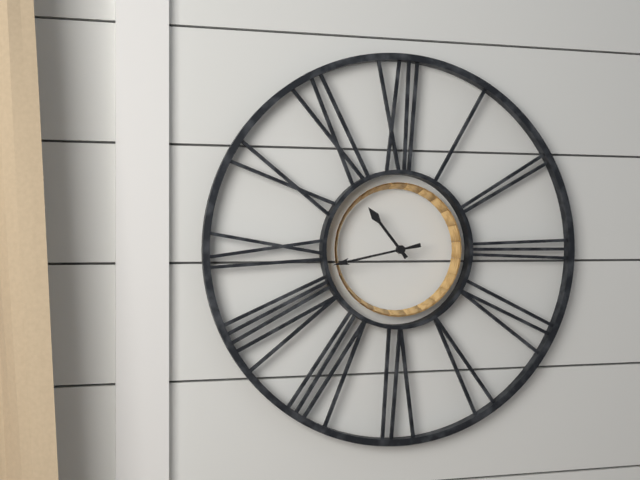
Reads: **10:43**
